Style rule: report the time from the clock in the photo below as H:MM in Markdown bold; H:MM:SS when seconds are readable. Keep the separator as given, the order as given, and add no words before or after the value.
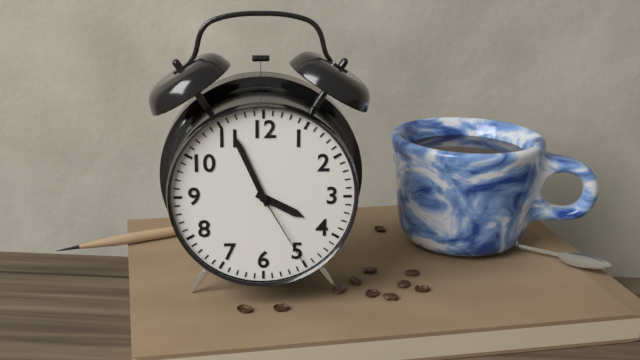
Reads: **3:56:25**
